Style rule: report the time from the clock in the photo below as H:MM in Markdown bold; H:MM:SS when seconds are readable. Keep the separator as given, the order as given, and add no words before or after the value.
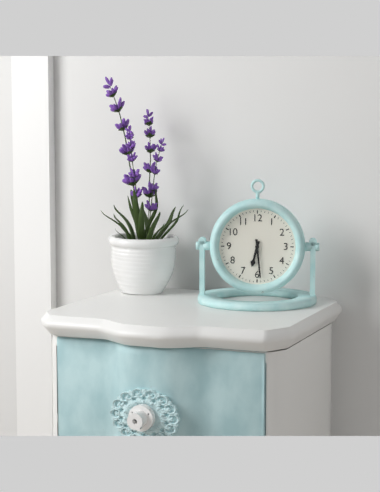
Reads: **6:29**
